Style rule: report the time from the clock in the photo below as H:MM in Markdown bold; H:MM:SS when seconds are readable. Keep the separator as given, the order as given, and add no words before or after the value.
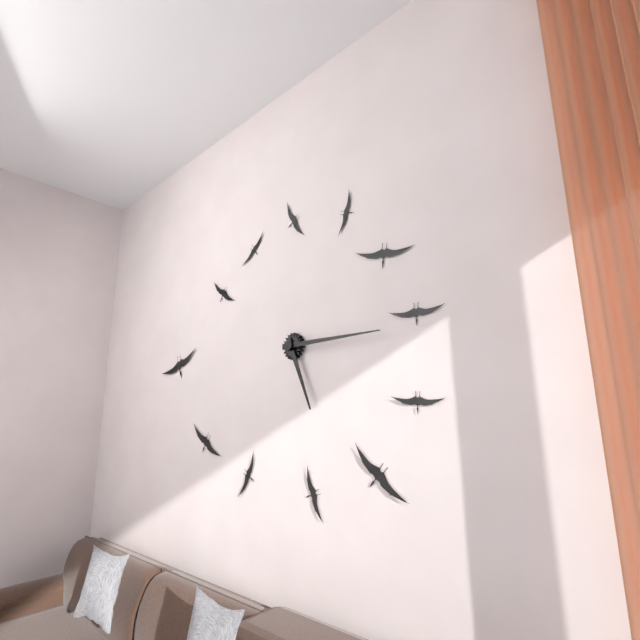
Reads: **5:15**
